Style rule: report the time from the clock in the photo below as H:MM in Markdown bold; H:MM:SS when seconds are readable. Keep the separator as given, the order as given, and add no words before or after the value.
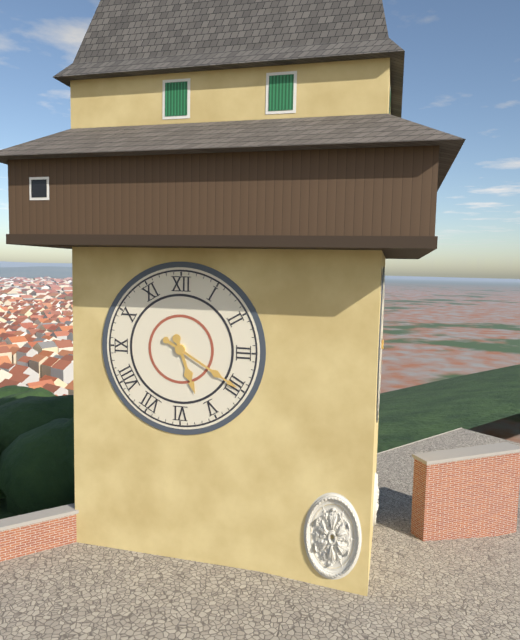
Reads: **5:20**
